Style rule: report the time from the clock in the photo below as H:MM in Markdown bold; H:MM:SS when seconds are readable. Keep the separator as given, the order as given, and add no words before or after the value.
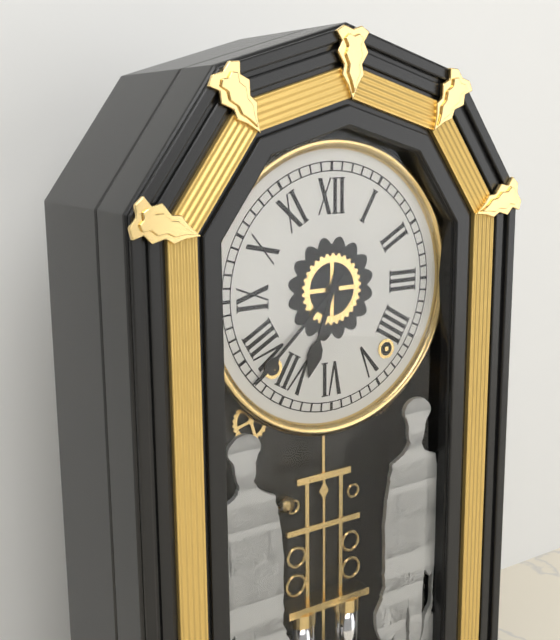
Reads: **6:38**
